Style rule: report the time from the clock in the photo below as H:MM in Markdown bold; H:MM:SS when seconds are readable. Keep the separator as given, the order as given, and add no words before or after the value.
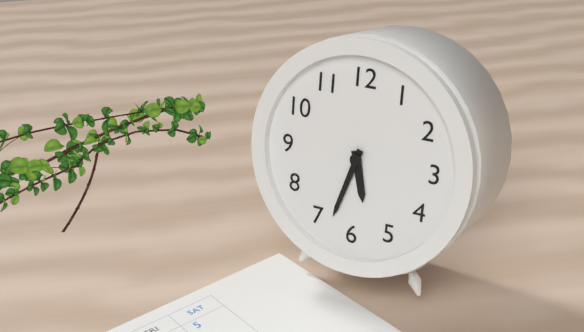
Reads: **5:33**
